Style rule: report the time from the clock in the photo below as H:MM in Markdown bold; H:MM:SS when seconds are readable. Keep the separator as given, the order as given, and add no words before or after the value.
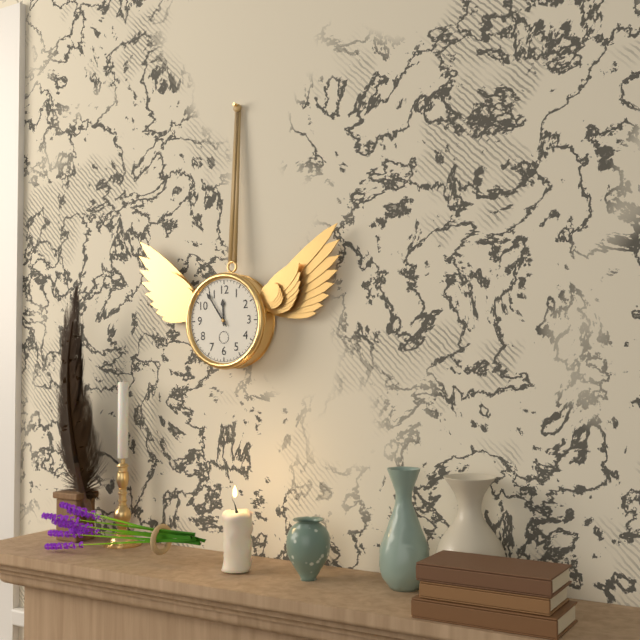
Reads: **11:54**
